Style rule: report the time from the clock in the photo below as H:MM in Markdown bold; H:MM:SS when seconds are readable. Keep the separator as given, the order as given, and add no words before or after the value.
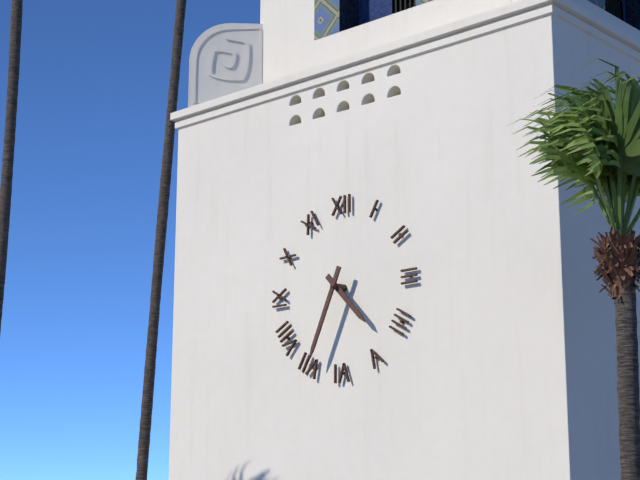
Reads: **4:34**
